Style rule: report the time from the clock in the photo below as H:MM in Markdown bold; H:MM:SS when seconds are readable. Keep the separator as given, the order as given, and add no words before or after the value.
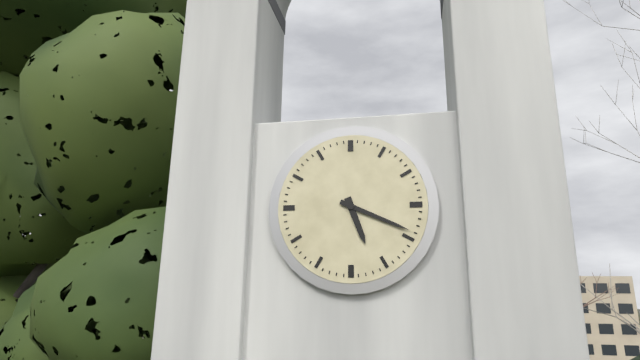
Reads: **5:19**
